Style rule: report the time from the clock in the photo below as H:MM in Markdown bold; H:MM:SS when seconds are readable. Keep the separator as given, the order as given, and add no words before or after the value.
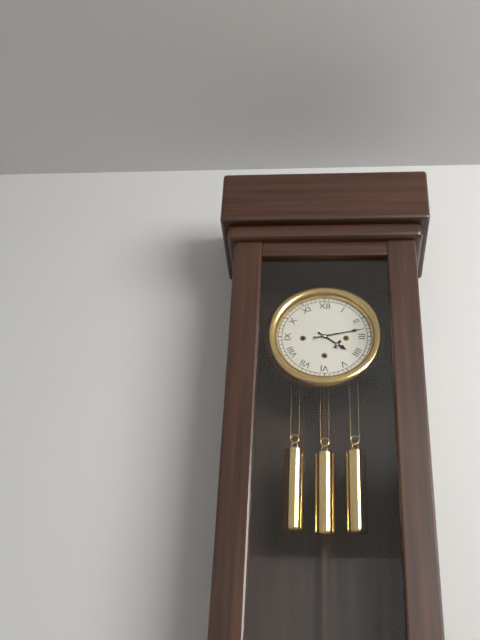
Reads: **4:13**
